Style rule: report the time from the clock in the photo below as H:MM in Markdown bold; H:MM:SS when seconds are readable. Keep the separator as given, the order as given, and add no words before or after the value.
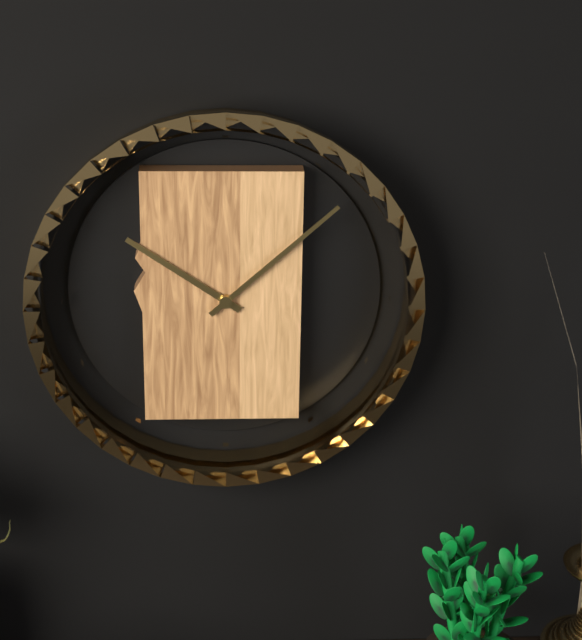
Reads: **10:08**
